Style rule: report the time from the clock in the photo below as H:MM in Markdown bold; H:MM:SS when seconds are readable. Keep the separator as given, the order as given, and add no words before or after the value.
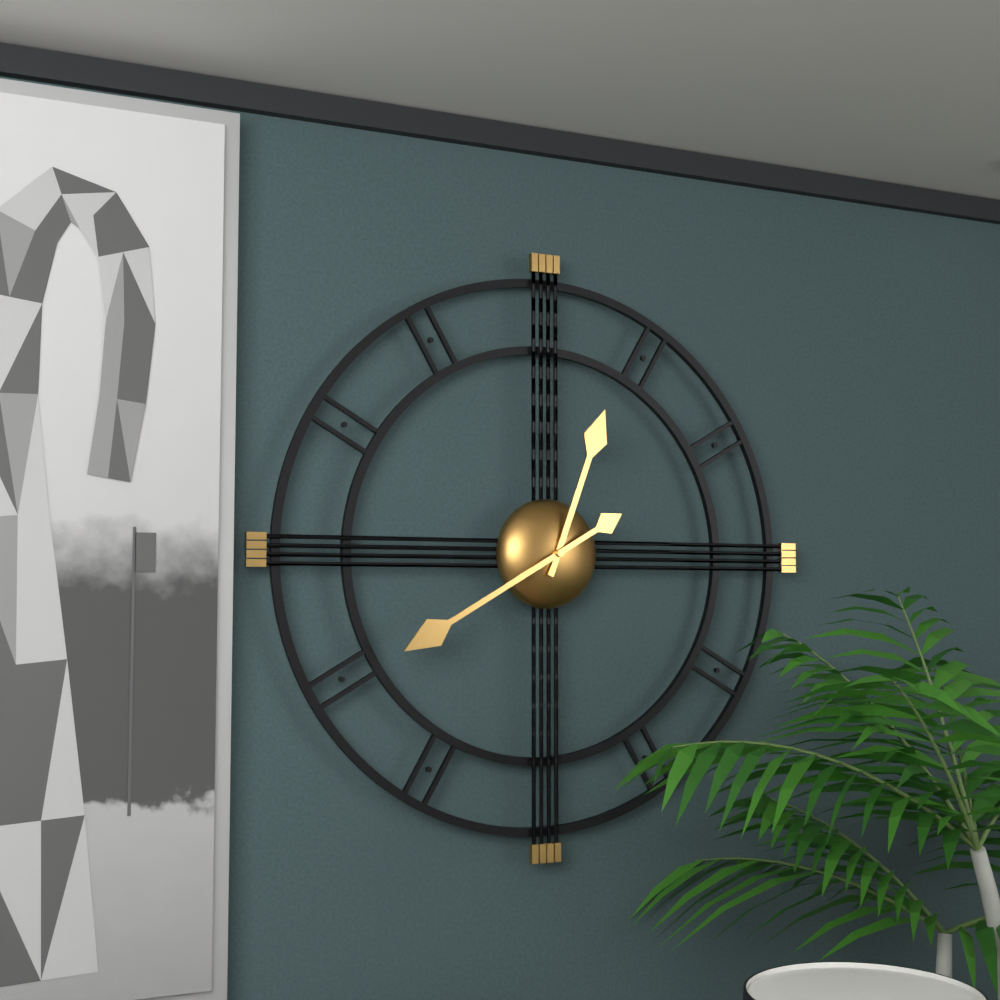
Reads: **12:40**
